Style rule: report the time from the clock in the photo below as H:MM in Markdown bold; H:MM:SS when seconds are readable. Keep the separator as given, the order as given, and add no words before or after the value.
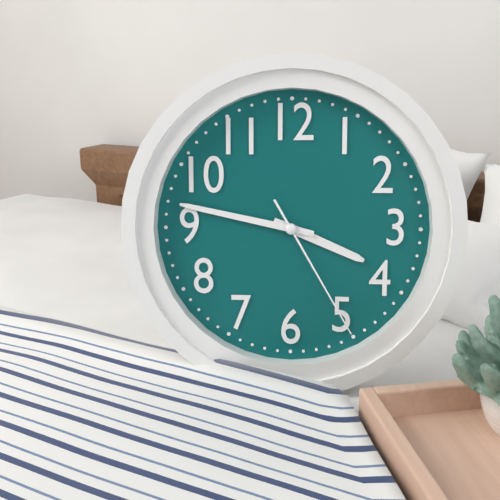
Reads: **3:47:25**
